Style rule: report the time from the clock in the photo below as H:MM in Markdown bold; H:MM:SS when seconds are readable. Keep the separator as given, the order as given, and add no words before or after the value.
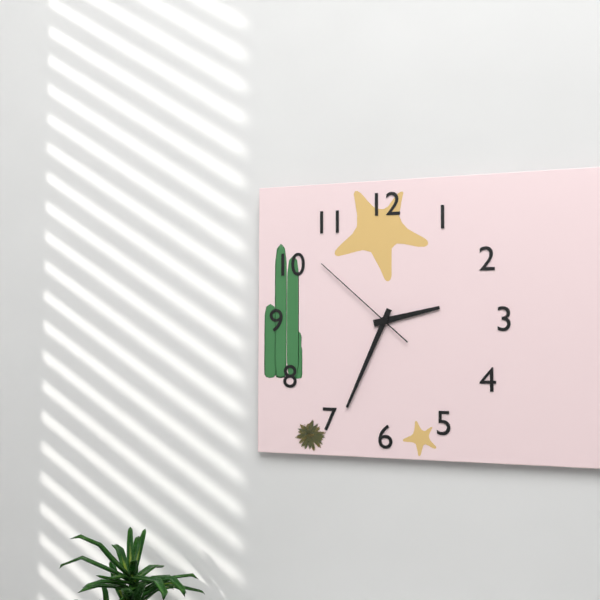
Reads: **2:34:52**
